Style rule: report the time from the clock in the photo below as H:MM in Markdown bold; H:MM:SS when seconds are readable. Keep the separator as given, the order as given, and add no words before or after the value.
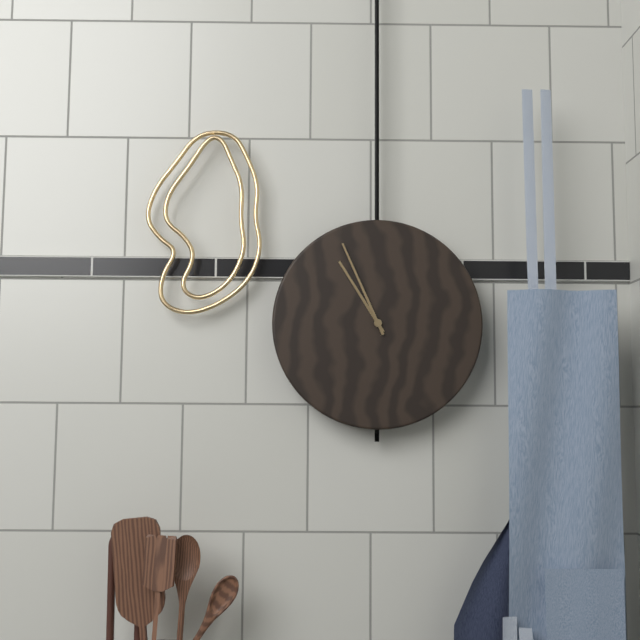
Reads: **10:56**
